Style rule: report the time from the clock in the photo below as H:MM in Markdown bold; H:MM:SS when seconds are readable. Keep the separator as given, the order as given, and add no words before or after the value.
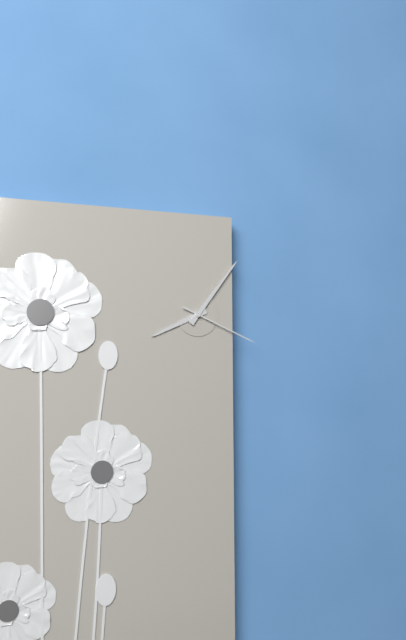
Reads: **8:06:19**
